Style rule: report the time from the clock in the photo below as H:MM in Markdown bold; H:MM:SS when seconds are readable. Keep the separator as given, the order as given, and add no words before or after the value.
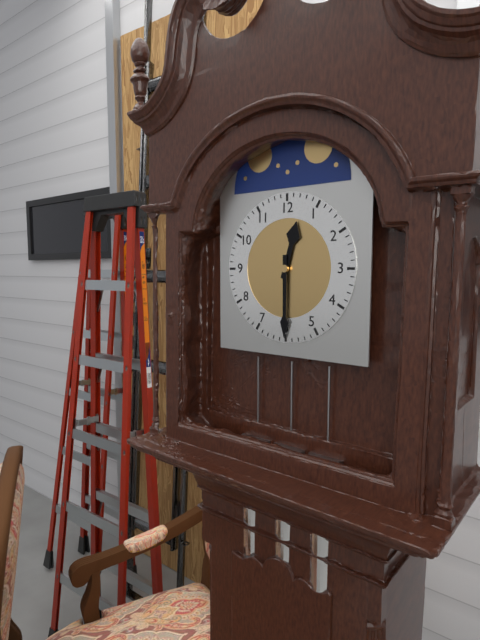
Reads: **12:30**
